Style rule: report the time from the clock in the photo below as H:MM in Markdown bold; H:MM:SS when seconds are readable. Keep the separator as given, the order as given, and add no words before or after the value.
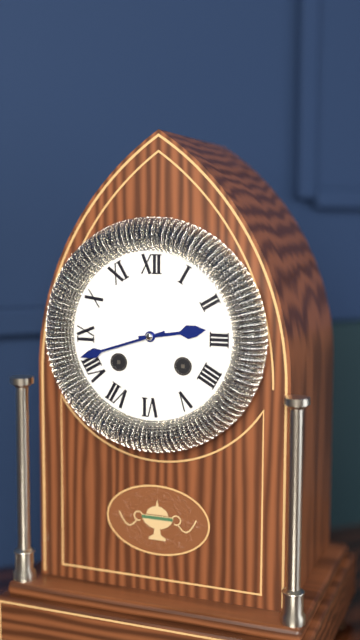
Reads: **2:42**
